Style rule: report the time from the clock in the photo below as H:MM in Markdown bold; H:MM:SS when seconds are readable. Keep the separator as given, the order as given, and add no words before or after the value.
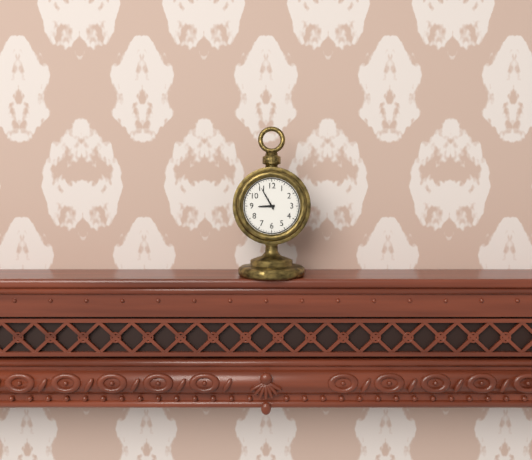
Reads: **8:55**
